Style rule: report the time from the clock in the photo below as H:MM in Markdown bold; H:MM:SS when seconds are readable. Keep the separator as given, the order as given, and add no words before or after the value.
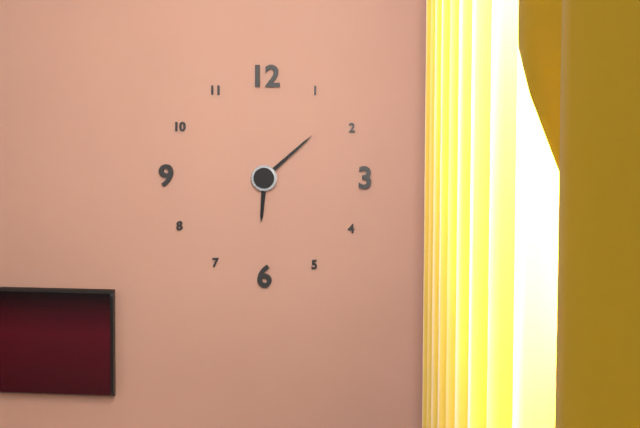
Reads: **6:08**
